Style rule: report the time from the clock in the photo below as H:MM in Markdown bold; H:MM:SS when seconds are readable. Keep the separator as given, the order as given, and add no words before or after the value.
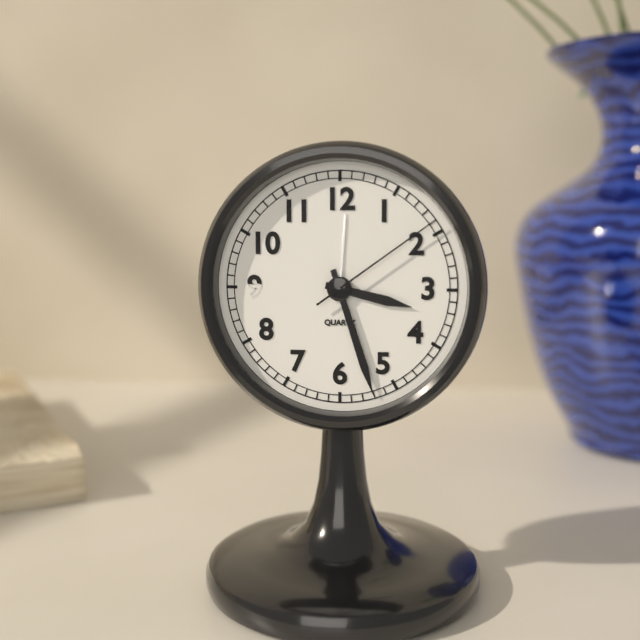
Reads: **3:27:09**
